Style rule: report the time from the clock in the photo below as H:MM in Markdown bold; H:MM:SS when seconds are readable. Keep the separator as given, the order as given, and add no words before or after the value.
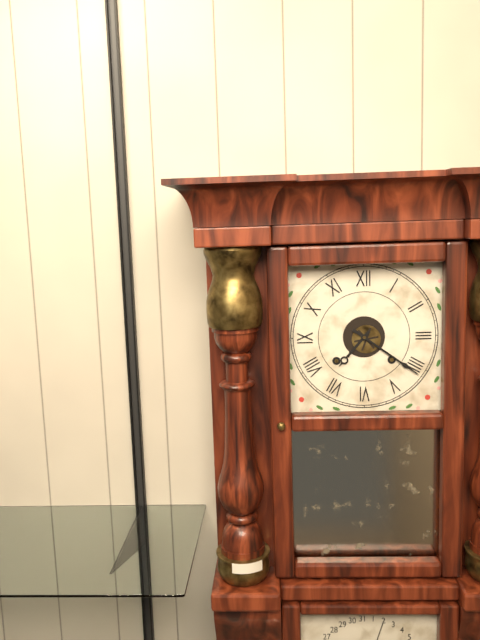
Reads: **7:21**
